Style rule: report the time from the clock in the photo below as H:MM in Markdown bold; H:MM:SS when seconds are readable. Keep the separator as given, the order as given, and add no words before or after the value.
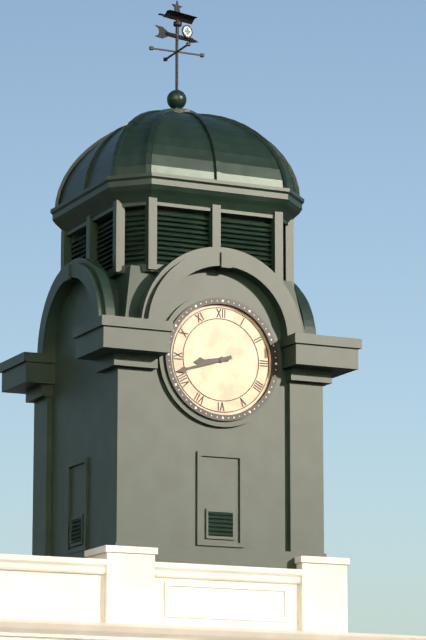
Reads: **8:42**
